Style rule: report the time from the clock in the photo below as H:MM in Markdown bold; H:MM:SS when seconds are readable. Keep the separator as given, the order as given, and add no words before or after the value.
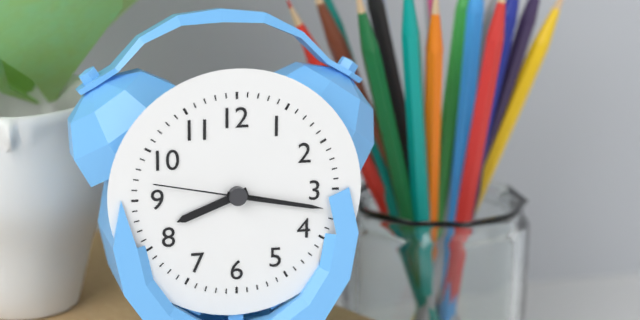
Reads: **8:17:47**
